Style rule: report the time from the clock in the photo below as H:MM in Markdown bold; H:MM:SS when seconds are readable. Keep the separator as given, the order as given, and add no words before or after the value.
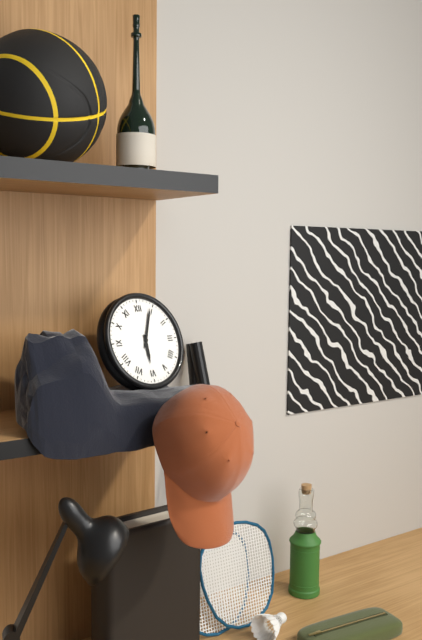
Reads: **6:04**
